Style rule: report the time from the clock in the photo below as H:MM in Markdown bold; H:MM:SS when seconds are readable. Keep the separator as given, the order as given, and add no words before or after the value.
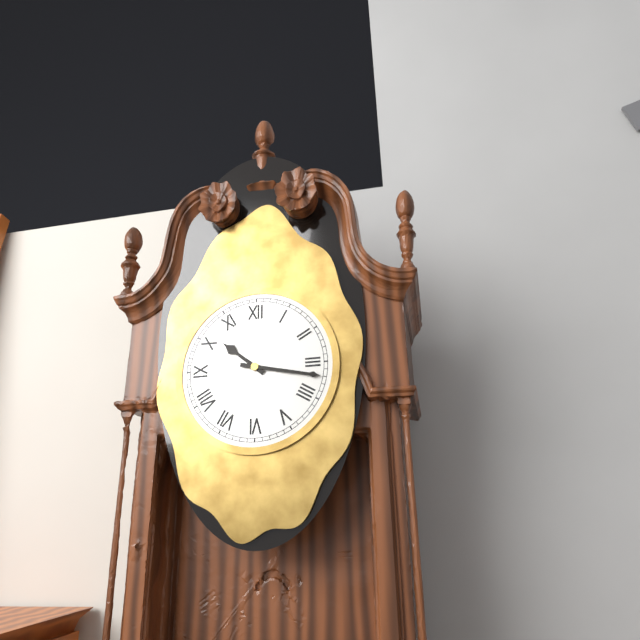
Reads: **10:17**
